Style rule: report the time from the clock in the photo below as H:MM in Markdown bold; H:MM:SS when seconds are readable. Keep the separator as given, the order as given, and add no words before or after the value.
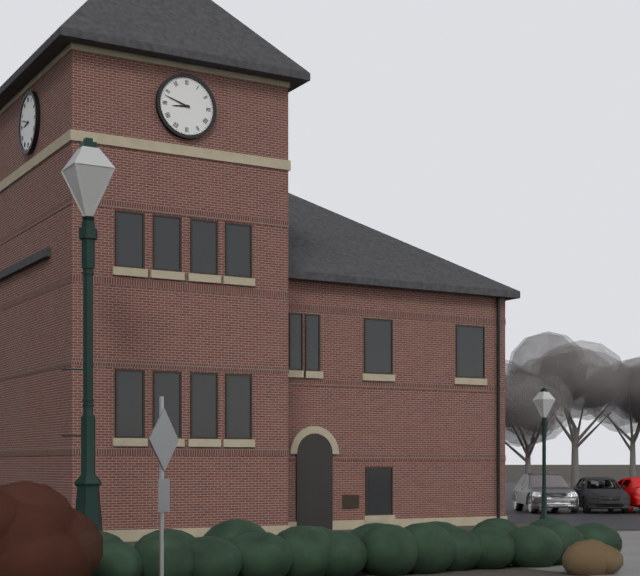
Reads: **8:48**
